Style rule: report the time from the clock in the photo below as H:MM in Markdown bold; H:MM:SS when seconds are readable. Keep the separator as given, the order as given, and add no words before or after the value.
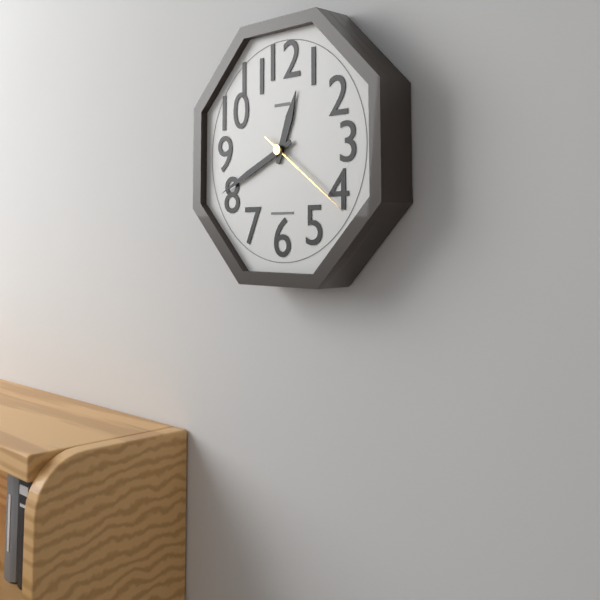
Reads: **12:41:21**
